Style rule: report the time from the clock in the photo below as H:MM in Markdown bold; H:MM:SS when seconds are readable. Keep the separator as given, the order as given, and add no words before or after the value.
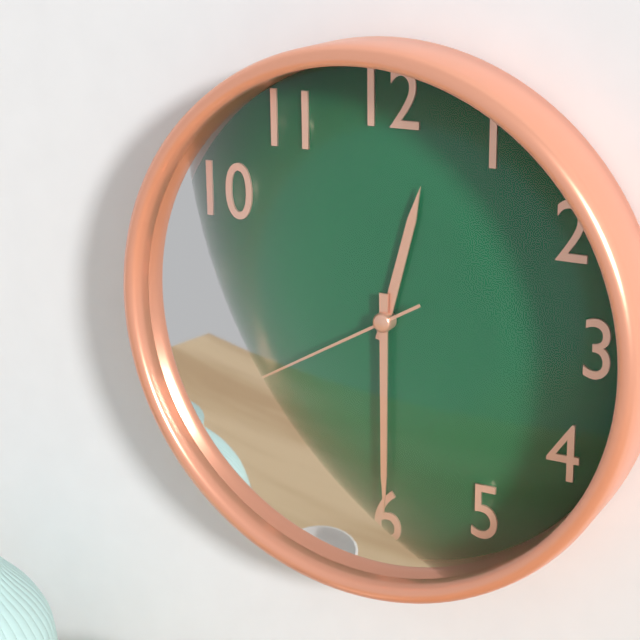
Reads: **12:30:40**
